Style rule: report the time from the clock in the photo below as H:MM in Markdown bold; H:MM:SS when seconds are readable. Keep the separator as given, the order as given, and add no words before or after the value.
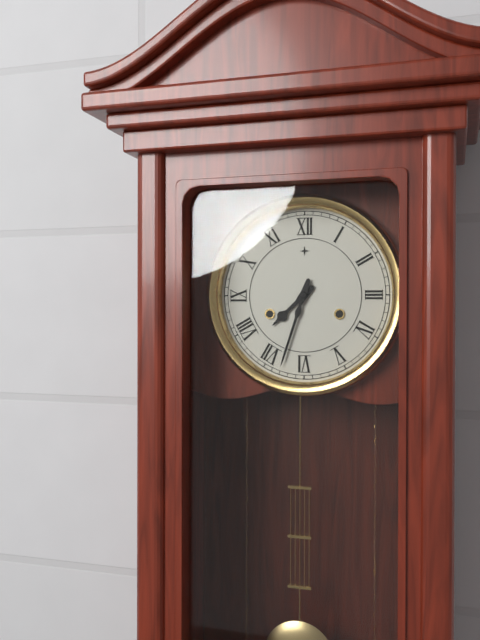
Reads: **7:33**
